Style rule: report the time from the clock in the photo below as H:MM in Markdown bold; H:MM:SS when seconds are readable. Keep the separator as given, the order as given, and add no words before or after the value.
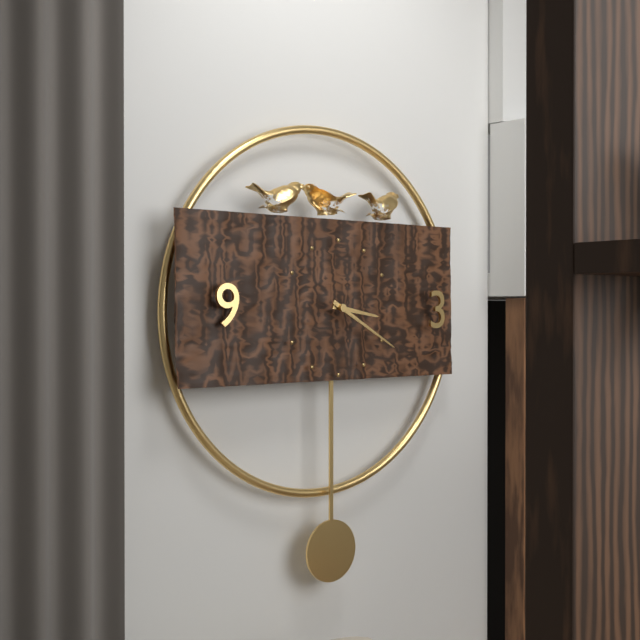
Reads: **3:20**
